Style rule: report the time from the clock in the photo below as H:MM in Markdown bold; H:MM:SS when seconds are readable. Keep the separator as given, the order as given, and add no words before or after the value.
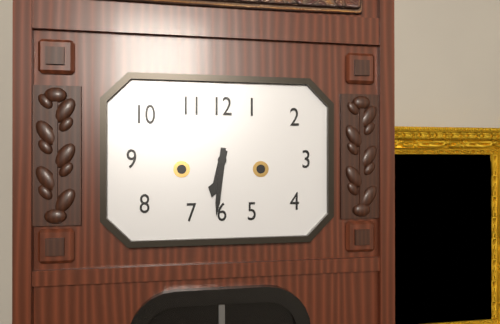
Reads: **6:31**
